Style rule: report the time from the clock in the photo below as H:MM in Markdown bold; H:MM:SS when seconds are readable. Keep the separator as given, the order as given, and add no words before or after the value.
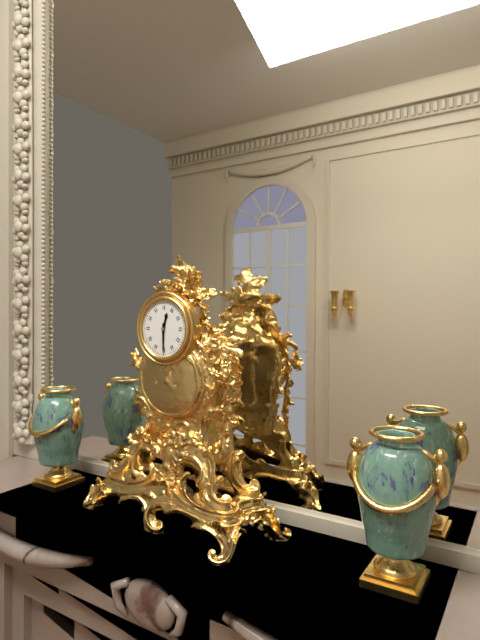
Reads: **12:30**
